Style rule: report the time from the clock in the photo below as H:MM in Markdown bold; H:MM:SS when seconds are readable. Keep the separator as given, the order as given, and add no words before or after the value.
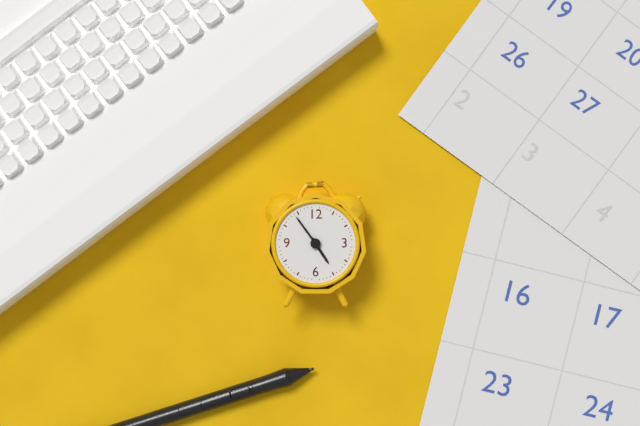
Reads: **4:54**
